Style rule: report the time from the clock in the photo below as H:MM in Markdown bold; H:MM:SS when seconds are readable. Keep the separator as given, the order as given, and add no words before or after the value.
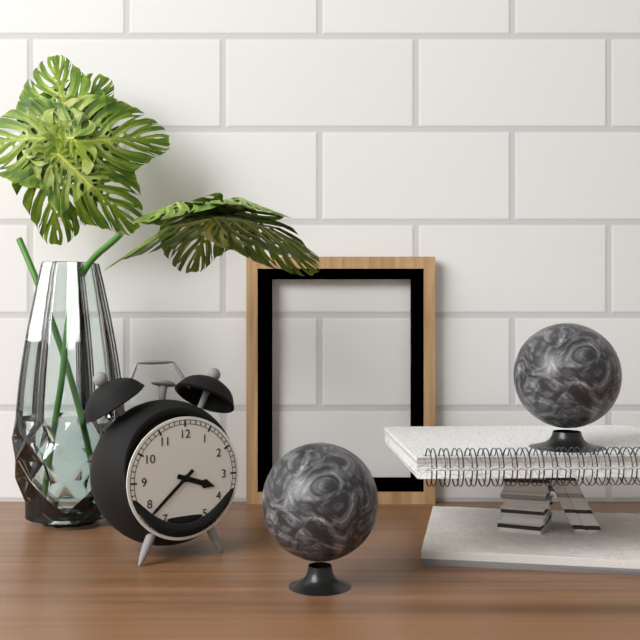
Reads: **3:38**
